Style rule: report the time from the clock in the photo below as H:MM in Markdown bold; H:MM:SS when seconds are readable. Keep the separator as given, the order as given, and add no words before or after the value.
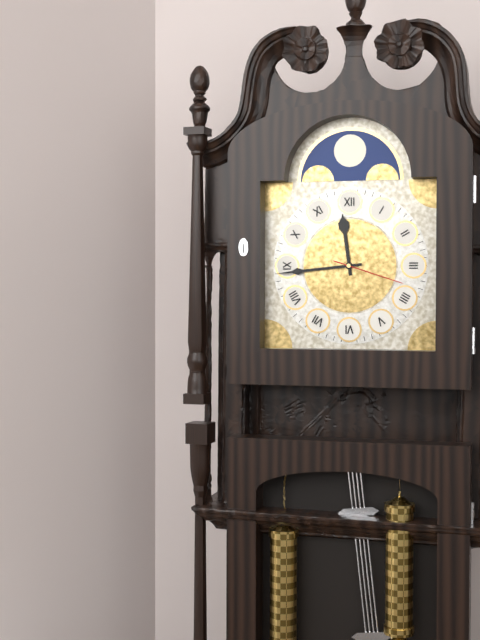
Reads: **11:44:18**
